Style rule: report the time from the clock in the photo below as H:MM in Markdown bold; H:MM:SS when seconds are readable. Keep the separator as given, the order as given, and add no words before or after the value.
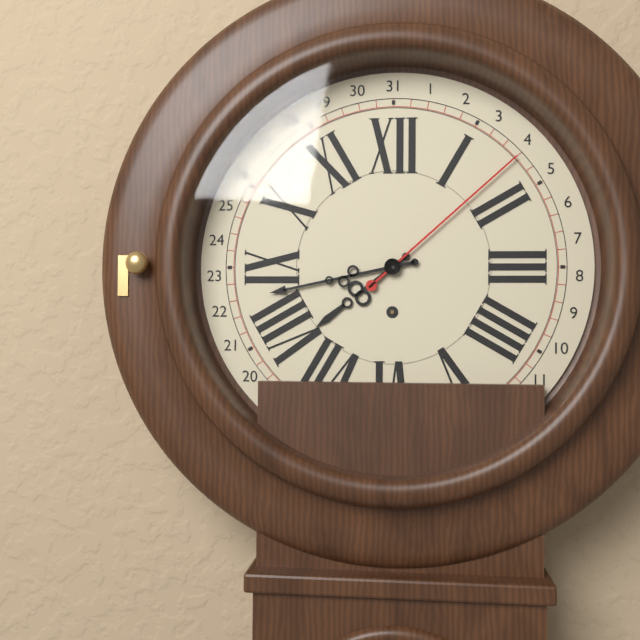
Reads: **7:43:08**
